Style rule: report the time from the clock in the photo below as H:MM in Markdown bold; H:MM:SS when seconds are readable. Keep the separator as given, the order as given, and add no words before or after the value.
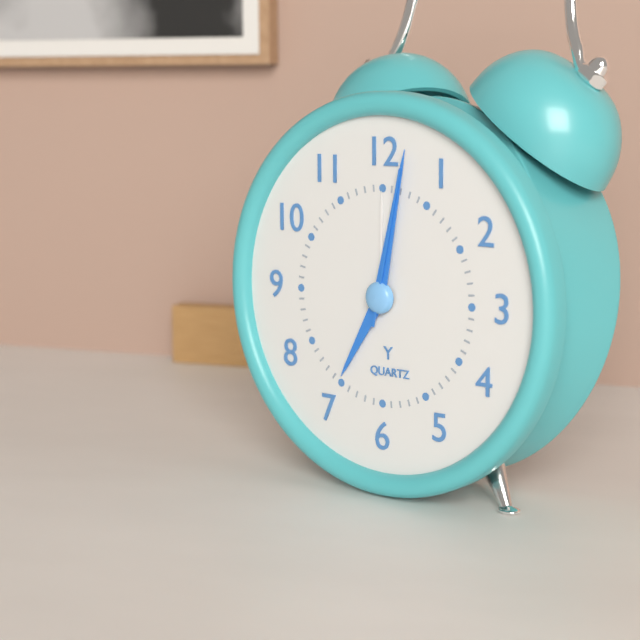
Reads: **7:02:02**
